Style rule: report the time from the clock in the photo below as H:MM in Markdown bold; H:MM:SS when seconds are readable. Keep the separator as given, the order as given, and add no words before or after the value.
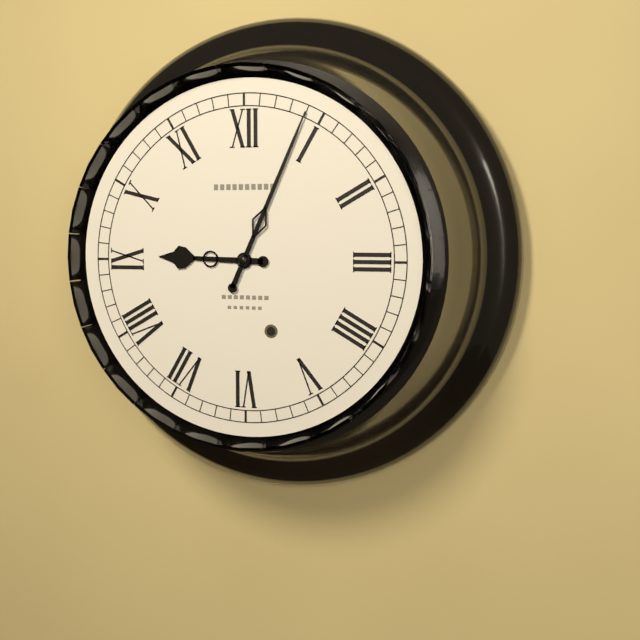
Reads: **9:04**
